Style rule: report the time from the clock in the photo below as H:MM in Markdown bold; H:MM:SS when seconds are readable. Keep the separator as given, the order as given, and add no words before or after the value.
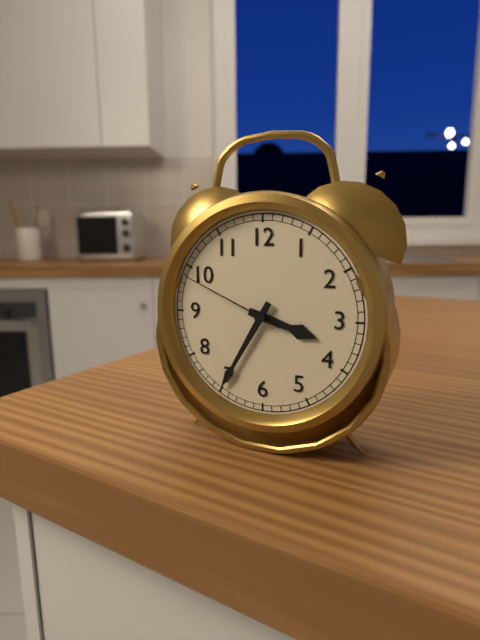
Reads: **3:35:49**
